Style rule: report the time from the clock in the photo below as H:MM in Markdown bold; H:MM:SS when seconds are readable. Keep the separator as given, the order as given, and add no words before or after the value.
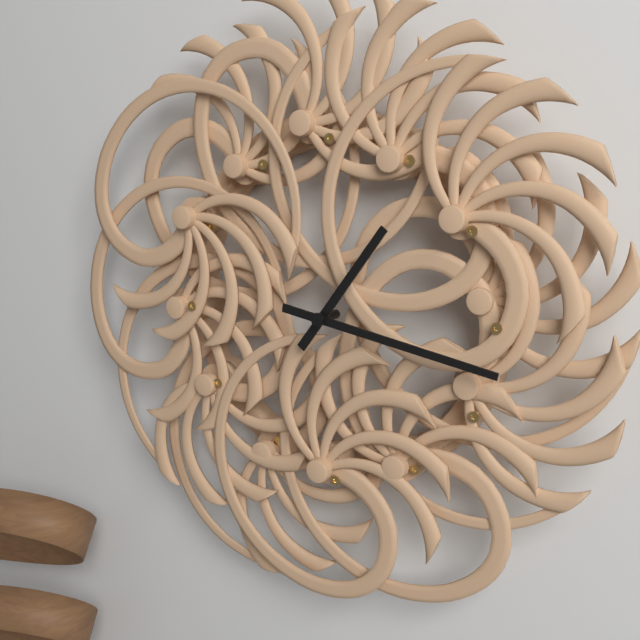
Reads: **1:17**
